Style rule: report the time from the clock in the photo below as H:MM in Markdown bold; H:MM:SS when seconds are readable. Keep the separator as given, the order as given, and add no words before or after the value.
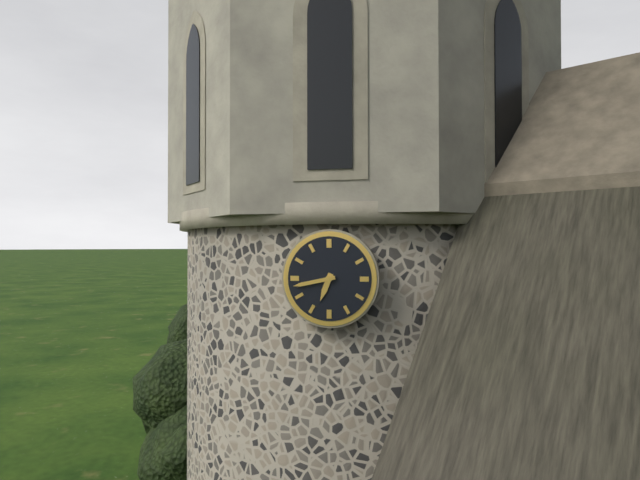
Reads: **6:43**
